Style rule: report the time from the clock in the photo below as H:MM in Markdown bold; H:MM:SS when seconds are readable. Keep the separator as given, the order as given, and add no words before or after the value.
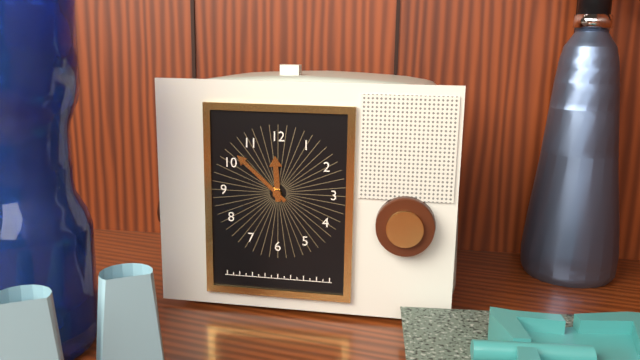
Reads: **11:52**
